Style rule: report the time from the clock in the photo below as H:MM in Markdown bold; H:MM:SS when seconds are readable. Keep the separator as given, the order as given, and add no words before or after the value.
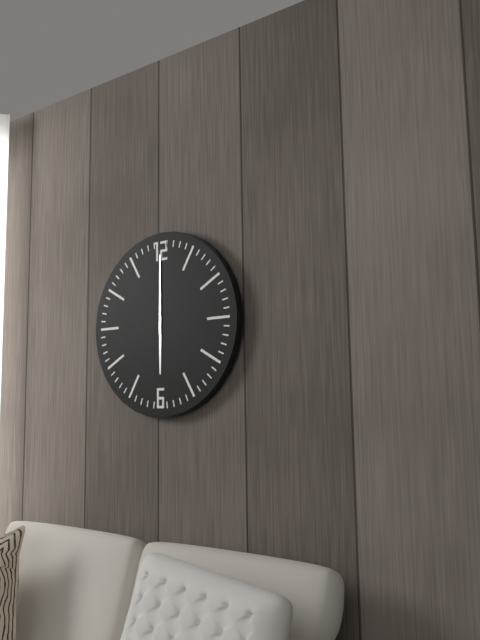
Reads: **6:00**
